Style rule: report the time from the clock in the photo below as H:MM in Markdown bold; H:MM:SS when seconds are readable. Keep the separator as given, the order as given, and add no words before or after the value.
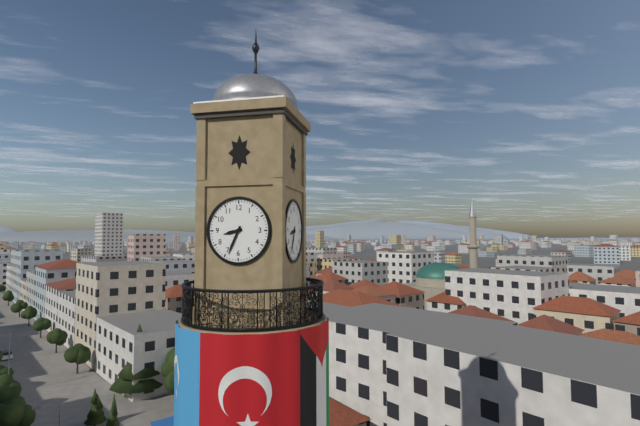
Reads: **8:34**
